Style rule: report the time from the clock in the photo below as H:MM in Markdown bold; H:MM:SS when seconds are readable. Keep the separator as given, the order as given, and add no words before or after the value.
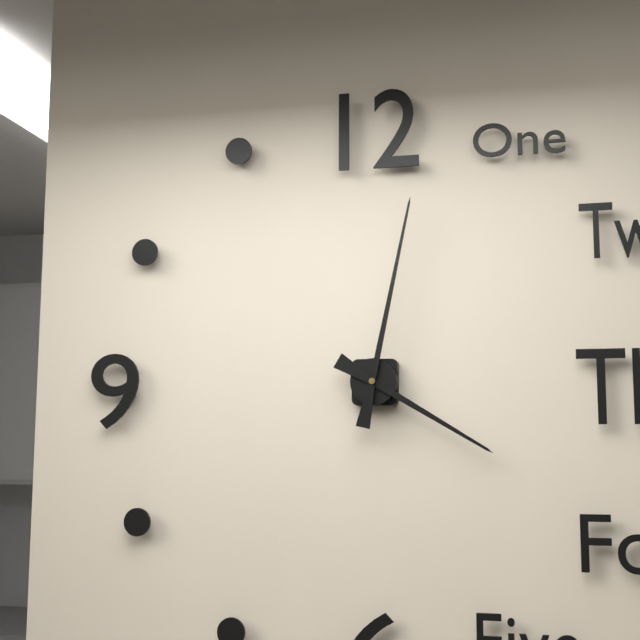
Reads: **4:02**
